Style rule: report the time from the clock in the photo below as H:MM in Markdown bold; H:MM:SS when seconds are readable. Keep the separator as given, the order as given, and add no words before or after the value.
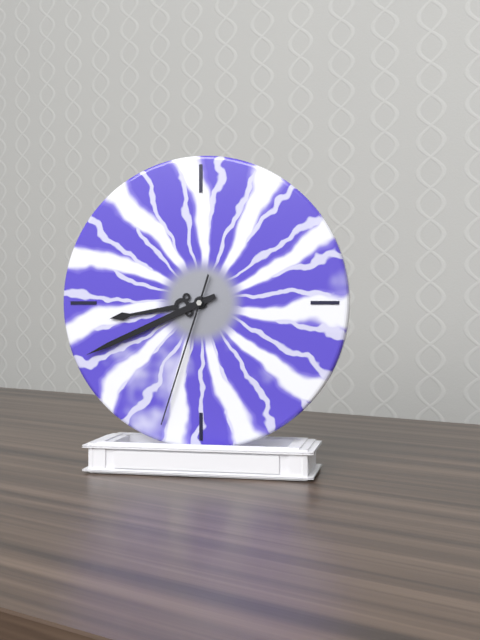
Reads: **8:41:33**
